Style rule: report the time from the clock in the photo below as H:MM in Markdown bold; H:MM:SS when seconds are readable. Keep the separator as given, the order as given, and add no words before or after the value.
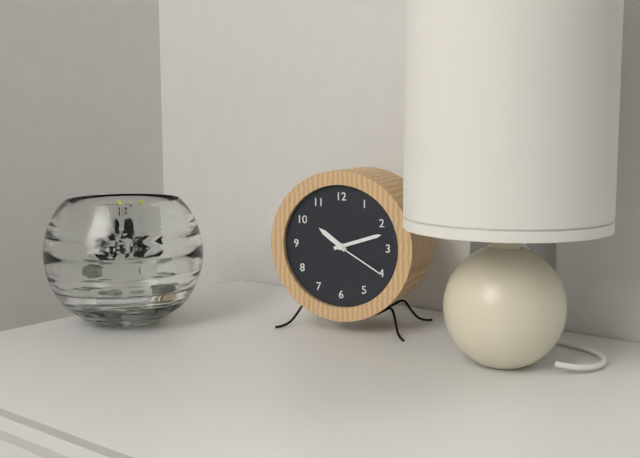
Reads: **10:12:20**
